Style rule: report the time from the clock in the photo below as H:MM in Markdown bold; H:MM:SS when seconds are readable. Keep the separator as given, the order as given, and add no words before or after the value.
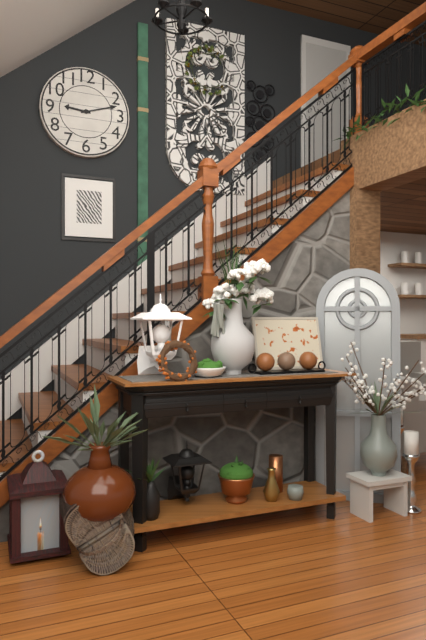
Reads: **9:12**
